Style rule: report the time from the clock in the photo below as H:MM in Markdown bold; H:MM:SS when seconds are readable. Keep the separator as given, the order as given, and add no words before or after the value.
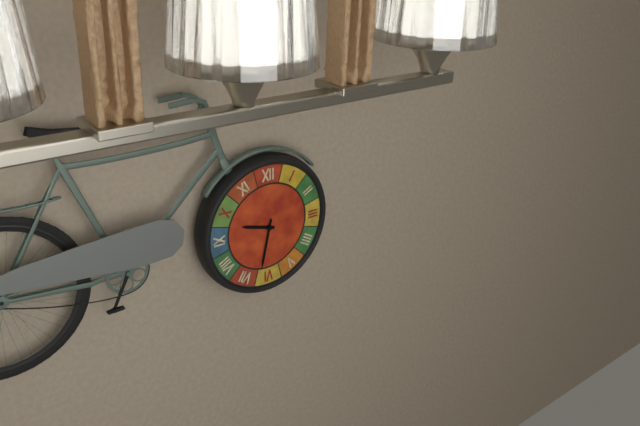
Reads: **9:32**
